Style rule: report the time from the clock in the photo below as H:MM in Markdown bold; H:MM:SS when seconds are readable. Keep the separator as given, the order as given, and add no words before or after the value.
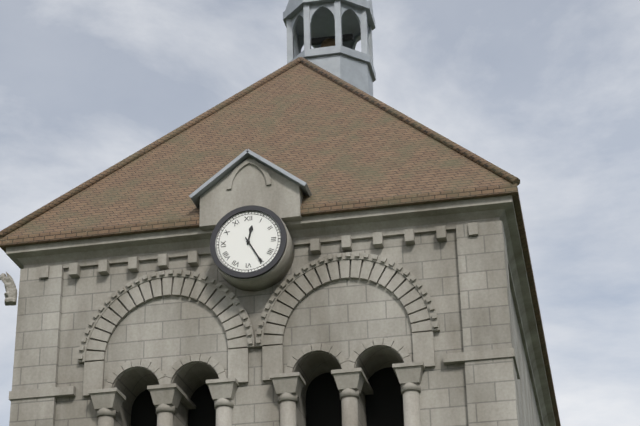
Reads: **12:25**
